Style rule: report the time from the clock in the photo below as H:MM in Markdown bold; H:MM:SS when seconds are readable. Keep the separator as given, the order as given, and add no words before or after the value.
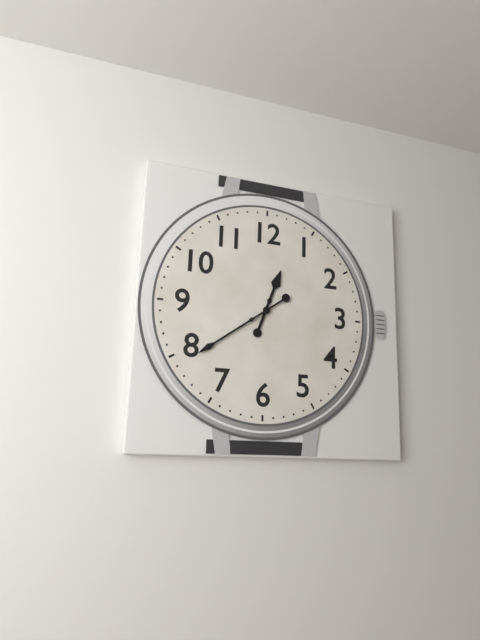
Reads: **12:39**
